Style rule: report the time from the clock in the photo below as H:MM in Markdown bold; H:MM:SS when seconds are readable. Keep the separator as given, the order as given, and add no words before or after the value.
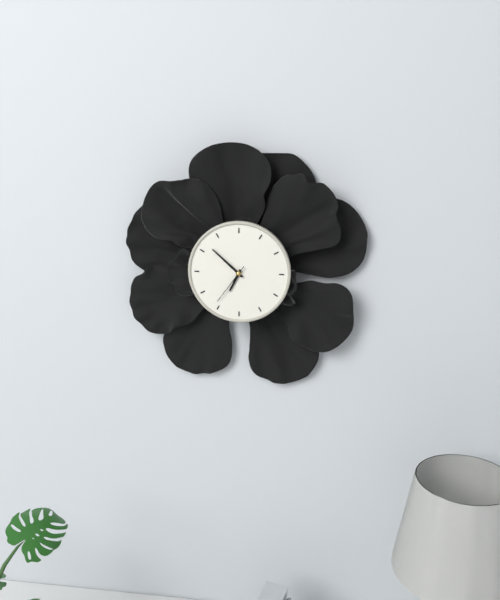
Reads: **6:52**
